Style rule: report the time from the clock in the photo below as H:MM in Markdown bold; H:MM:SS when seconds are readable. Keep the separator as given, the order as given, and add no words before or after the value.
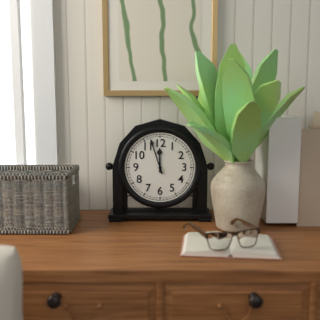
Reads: **11:57**
